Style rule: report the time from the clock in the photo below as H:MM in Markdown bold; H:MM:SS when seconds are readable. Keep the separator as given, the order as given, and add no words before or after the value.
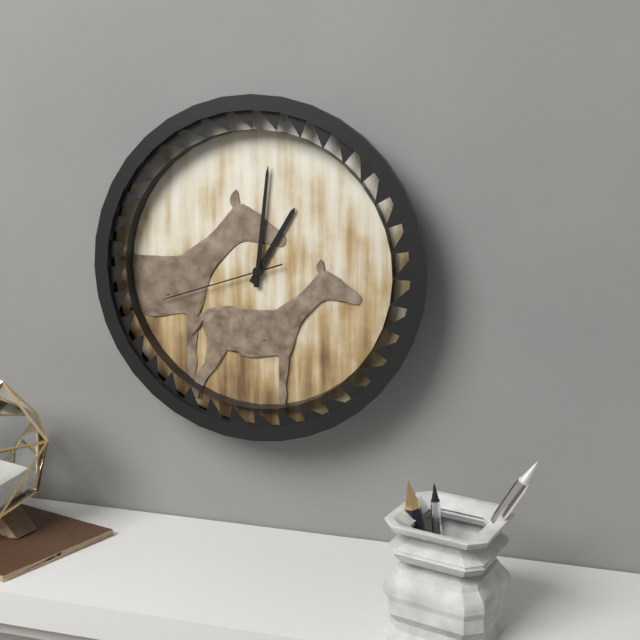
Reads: **1:01:42**
